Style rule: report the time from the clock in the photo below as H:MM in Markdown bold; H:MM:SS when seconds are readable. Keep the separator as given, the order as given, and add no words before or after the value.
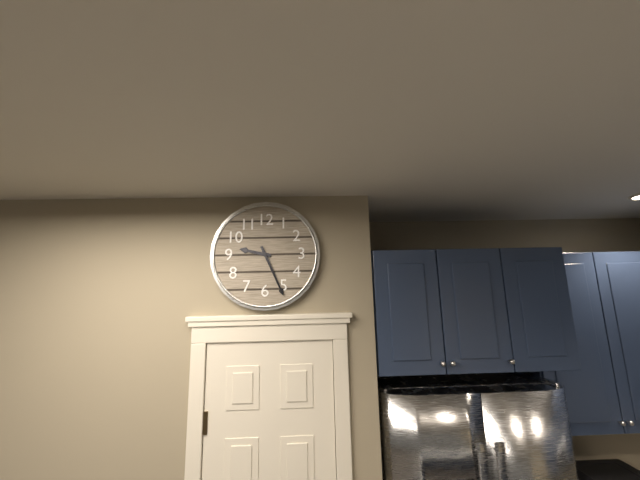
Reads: **9:26**
